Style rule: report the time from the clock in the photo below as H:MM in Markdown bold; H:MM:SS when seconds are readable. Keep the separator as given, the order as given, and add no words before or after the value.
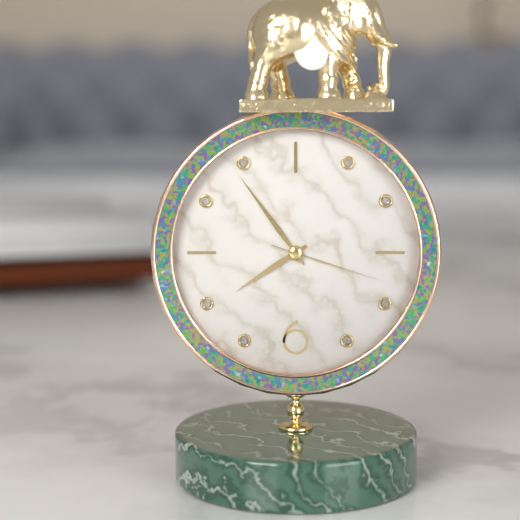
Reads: **7:54:18**
